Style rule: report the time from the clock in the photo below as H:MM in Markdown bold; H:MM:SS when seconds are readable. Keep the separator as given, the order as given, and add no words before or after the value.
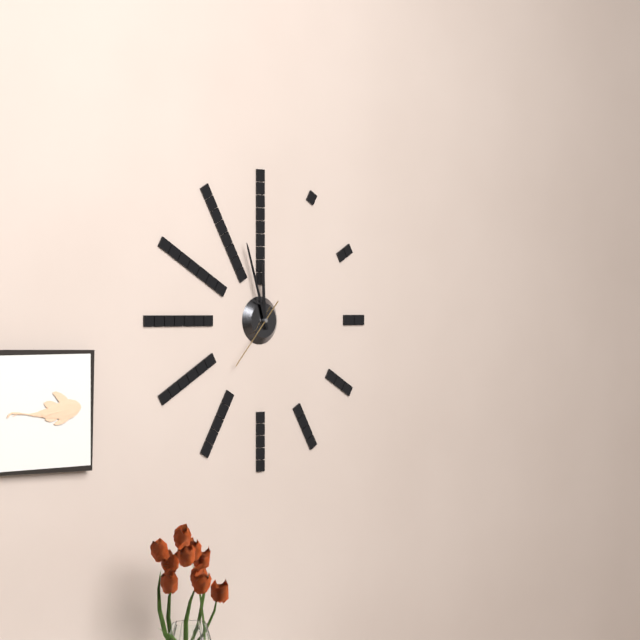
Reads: **11:57:37**
